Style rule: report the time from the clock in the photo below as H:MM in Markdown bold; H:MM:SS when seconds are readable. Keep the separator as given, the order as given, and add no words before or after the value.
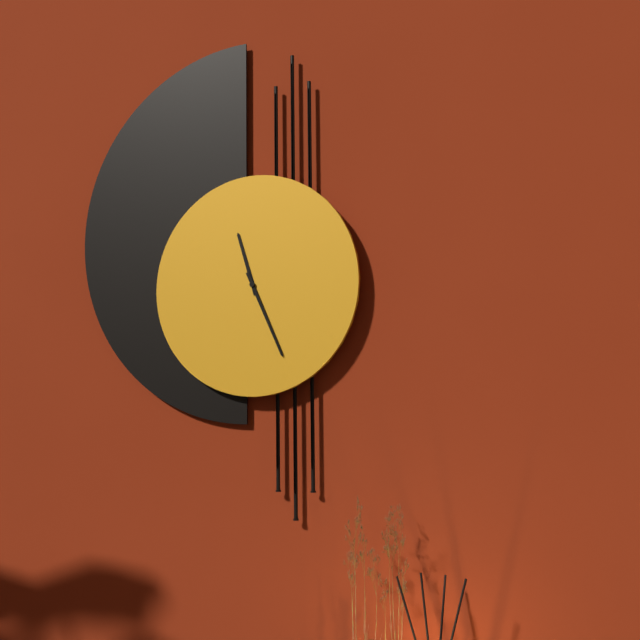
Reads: **11:26**
